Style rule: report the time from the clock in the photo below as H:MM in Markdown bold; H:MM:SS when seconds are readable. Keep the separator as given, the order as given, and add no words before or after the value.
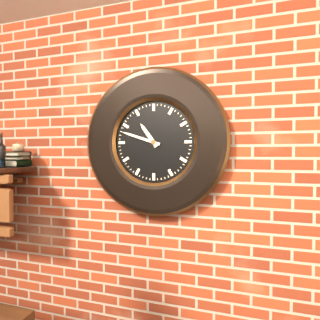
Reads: **10:48**
